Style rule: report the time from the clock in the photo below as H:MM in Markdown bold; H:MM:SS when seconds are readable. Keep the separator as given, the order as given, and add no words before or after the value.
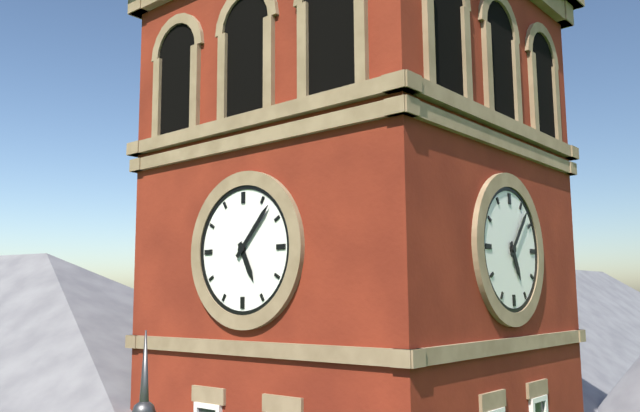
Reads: **5:07**
